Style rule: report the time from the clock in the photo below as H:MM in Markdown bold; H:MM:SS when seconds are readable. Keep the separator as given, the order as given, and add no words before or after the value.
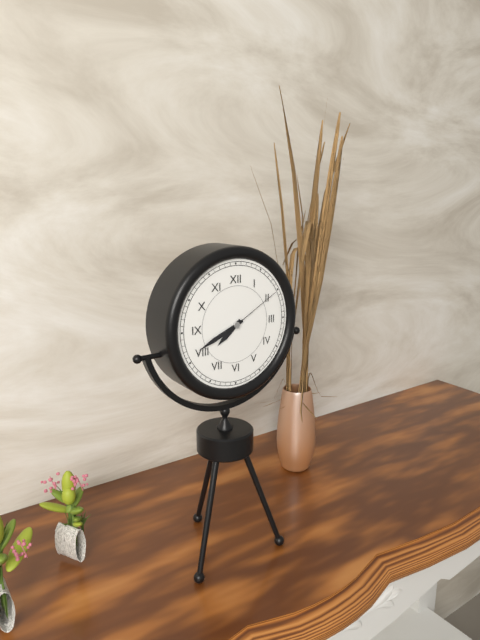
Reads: **7:41:10**
